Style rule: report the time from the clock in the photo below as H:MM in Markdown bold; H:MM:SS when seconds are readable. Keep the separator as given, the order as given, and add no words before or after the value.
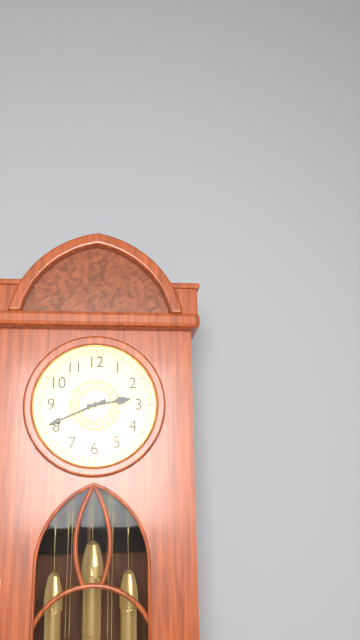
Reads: **2:41**
